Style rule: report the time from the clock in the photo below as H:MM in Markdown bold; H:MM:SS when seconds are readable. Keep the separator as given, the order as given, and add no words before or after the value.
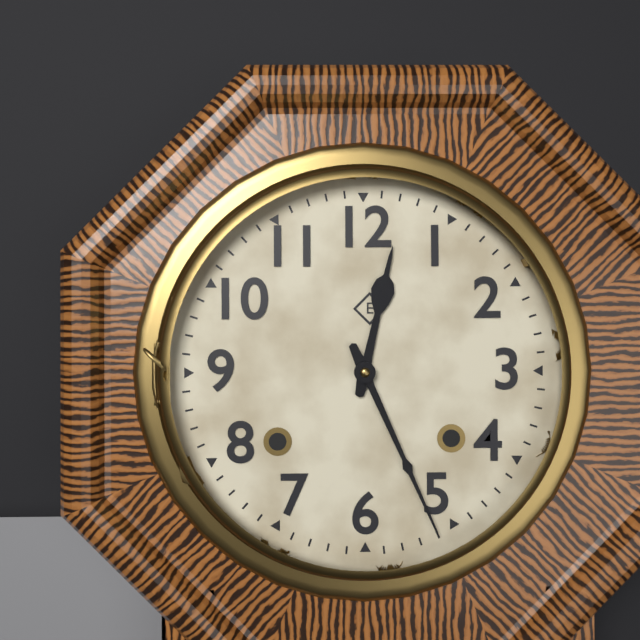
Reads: **12:26**
